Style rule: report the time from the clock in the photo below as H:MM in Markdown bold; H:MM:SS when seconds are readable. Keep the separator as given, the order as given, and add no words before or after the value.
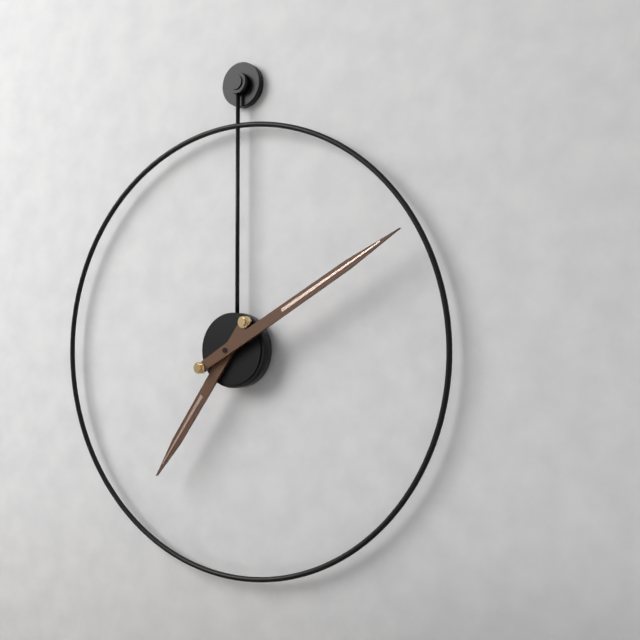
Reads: **7:10**
